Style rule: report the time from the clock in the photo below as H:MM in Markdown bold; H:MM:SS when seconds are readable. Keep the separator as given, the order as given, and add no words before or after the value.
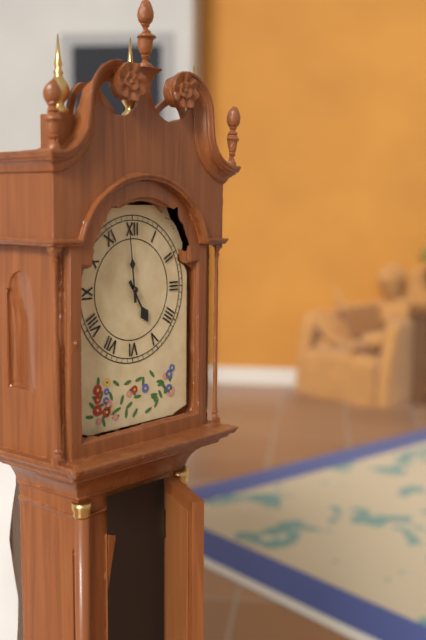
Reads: **4:59**
